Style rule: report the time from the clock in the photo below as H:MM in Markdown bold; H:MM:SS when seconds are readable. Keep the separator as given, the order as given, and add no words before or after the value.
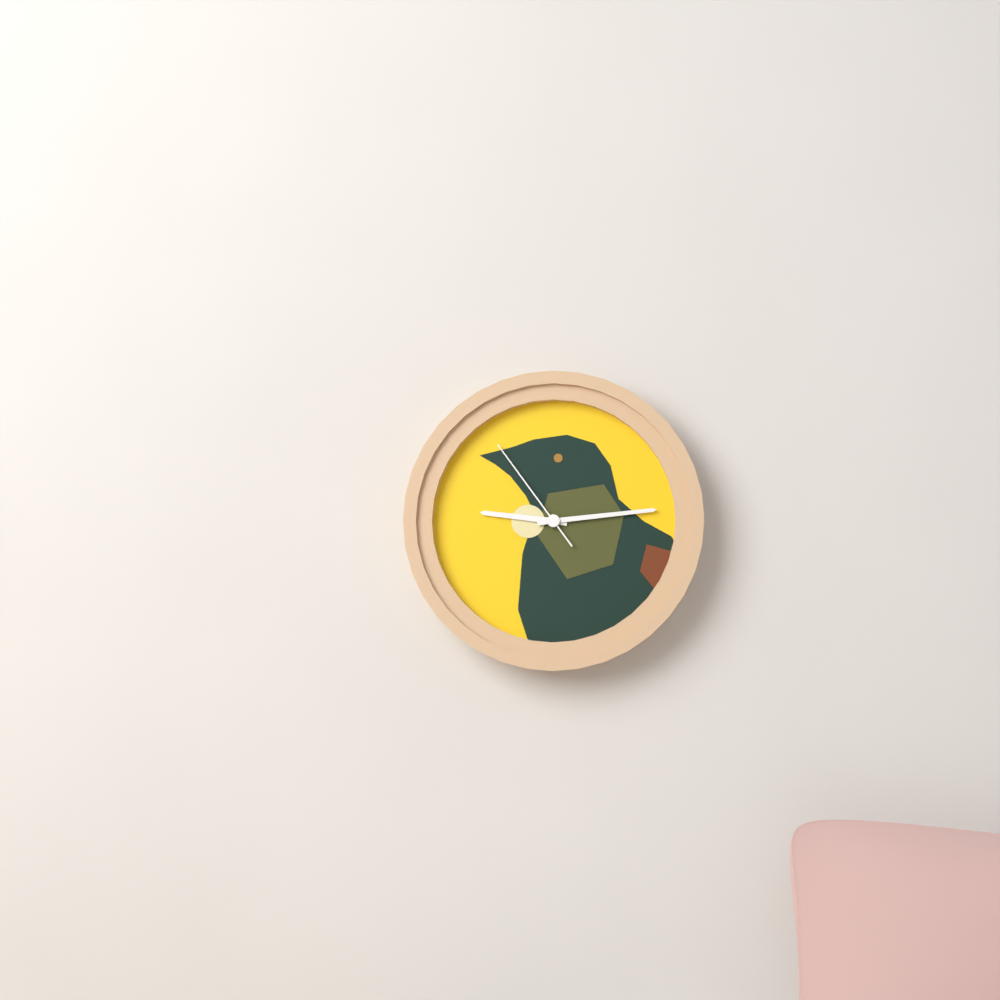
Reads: **9:14:54**
